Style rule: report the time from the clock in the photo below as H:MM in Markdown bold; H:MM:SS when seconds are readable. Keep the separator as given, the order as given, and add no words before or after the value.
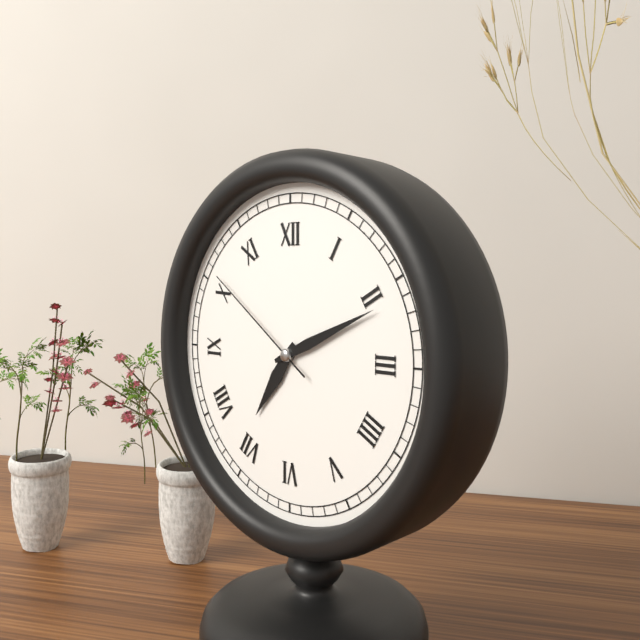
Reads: **7:11:51**
